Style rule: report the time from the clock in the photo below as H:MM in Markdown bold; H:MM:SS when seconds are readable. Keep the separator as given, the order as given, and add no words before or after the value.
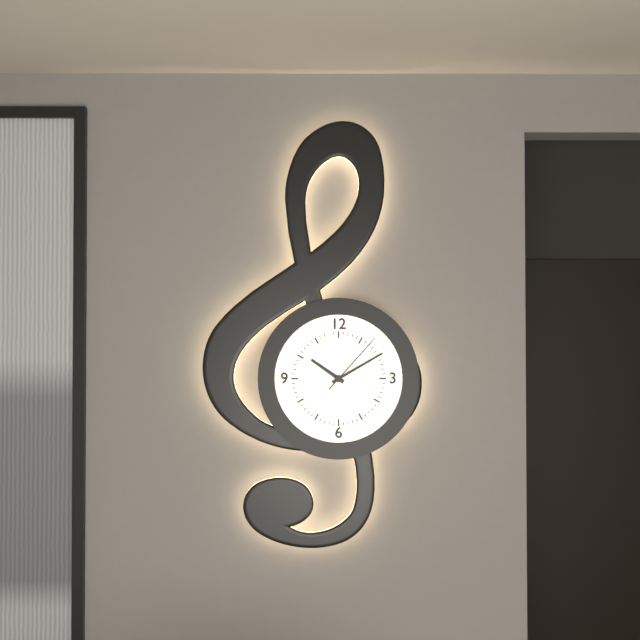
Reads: **10:10:07**
